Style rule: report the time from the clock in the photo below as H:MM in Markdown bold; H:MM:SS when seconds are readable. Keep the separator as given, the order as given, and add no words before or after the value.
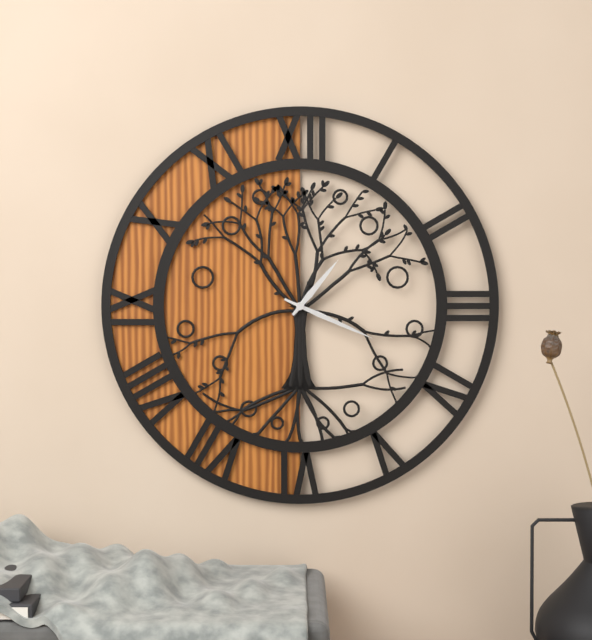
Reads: **1:19**
